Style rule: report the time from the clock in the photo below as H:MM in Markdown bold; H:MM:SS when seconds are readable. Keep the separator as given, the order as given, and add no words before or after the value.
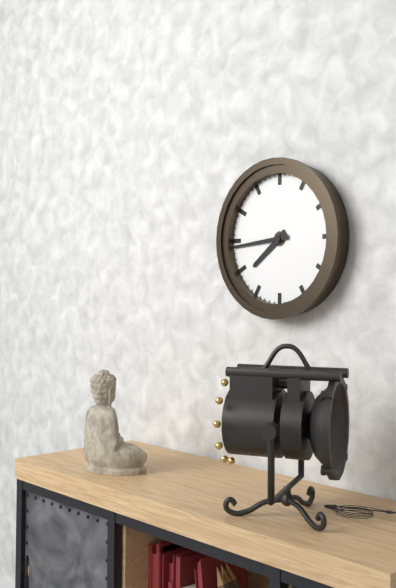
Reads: **7:44**
